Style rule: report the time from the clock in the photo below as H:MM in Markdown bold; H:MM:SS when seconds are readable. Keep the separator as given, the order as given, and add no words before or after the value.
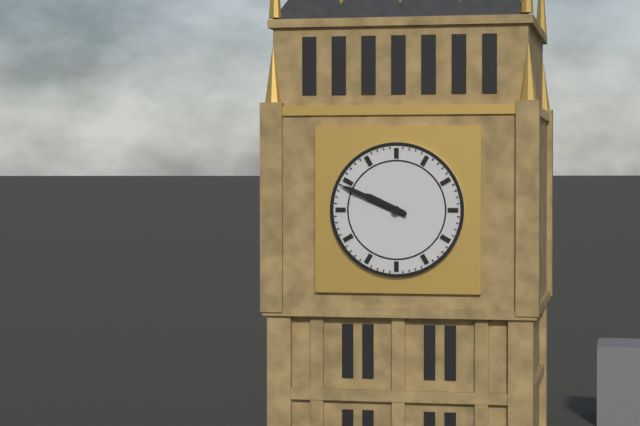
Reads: **9:49**
